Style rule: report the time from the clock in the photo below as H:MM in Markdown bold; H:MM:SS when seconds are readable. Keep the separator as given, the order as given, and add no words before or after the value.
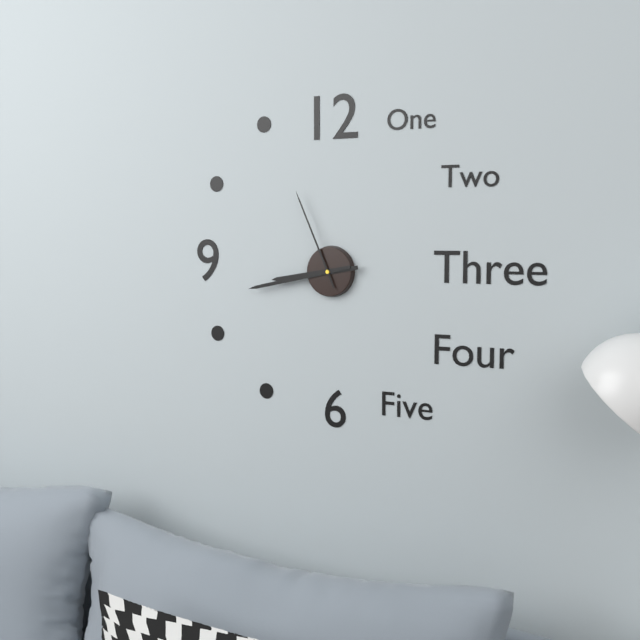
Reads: **8:43:56**
